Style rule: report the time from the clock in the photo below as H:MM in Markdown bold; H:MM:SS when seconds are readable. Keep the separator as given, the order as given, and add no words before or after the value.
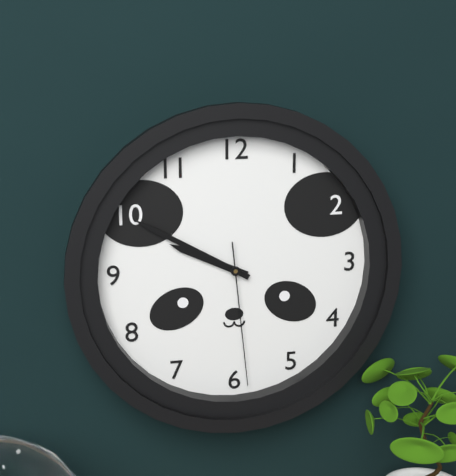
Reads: **9:50:29**
